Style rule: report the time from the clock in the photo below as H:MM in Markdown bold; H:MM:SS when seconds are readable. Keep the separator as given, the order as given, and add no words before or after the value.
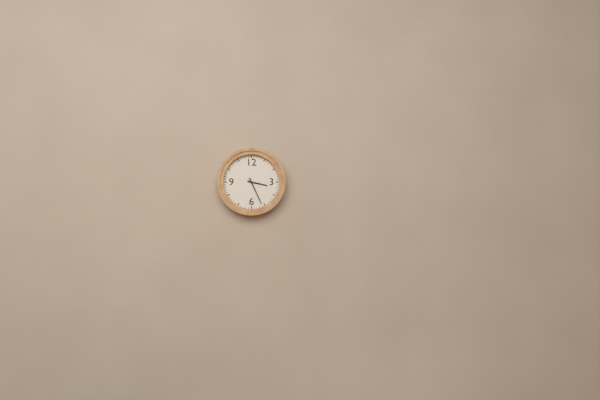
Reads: **3:26**
